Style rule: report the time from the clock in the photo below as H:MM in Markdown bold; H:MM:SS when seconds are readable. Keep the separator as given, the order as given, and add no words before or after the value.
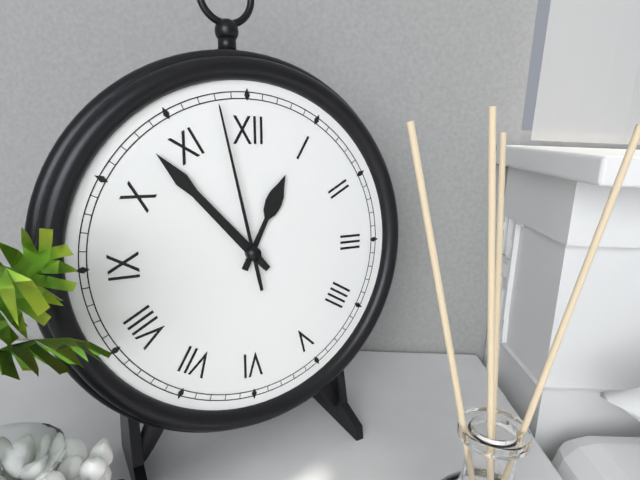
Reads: **12:53:58**
